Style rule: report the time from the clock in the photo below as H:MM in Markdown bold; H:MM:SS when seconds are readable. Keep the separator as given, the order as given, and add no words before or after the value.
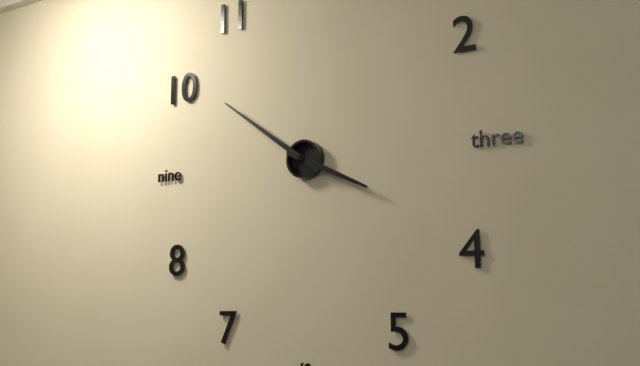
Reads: **3:51**
